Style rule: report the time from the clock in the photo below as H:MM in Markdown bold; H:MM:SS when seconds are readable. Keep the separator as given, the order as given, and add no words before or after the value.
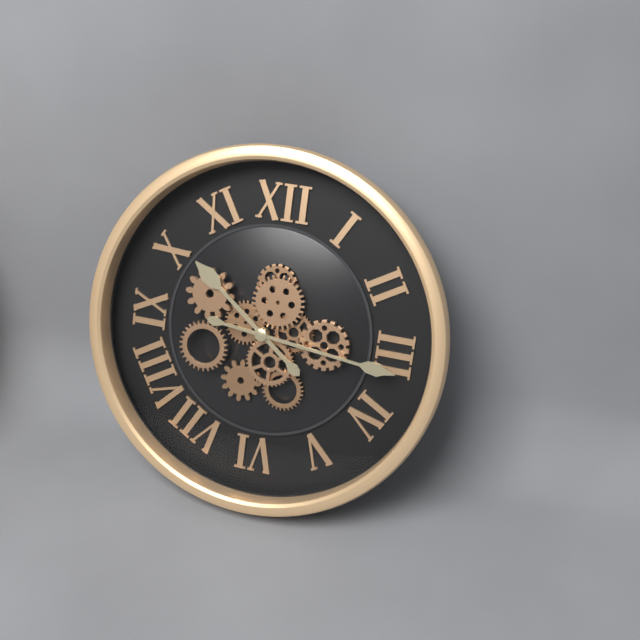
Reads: **10:16**
